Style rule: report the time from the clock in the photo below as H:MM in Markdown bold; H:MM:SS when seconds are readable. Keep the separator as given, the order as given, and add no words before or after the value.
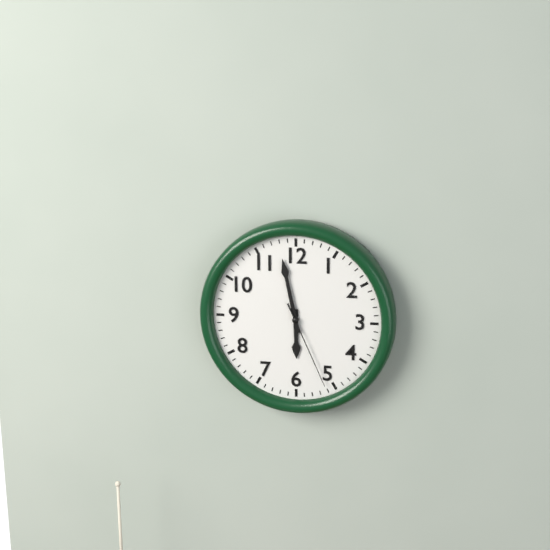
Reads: **5:58:26**
